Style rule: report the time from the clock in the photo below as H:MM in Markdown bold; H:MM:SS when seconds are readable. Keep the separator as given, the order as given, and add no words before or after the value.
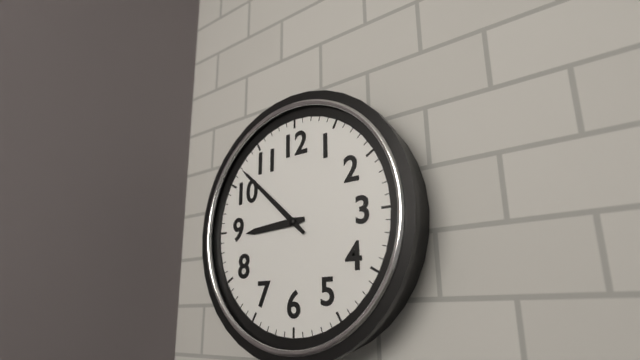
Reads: **8:52**
